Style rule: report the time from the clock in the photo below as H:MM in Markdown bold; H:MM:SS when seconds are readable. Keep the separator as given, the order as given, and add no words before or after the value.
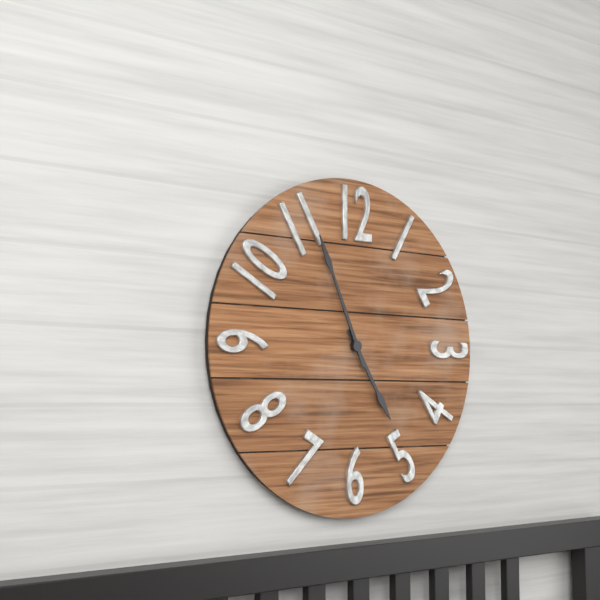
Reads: **4:56**
